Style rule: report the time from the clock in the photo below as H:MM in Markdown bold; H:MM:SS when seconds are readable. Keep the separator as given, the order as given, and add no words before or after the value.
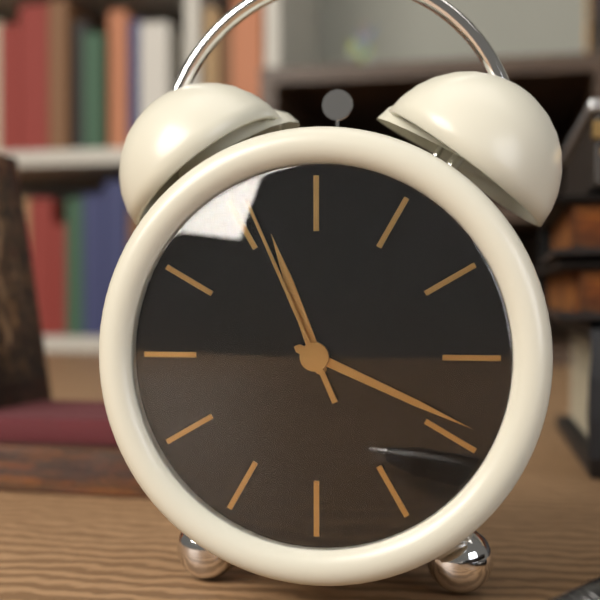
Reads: **11:19:56**
